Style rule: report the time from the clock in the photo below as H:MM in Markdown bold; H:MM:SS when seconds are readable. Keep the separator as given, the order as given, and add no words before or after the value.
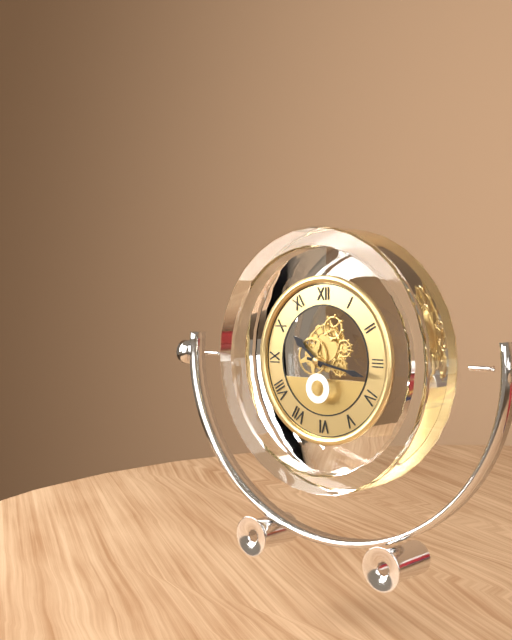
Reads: **10:17**
